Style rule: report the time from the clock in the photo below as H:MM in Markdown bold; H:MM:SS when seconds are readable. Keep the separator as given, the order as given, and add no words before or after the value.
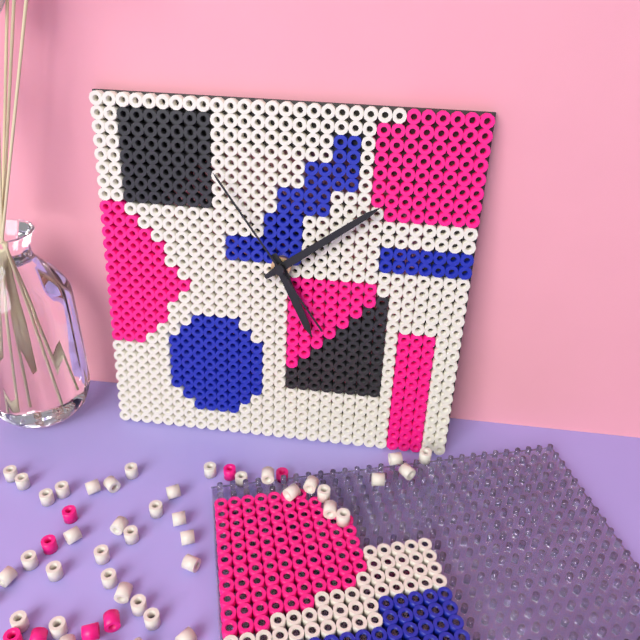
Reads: **5:09:54**
